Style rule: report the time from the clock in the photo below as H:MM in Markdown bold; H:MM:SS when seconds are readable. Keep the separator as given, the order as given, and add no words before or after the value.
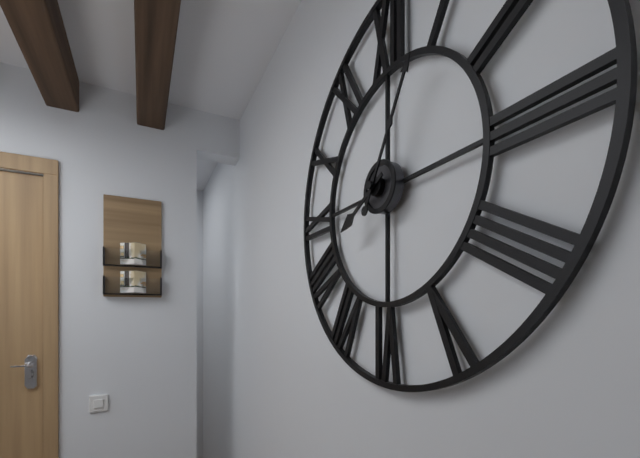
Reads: **8:05**
